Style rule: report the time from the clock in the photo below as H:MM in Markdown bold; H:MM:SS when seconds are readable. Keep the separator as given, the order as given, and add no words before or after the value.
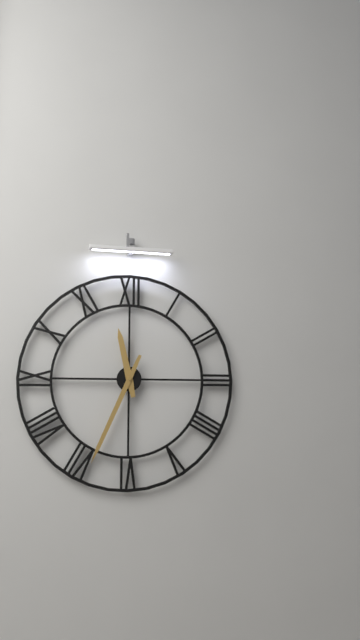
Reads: **11:34**
